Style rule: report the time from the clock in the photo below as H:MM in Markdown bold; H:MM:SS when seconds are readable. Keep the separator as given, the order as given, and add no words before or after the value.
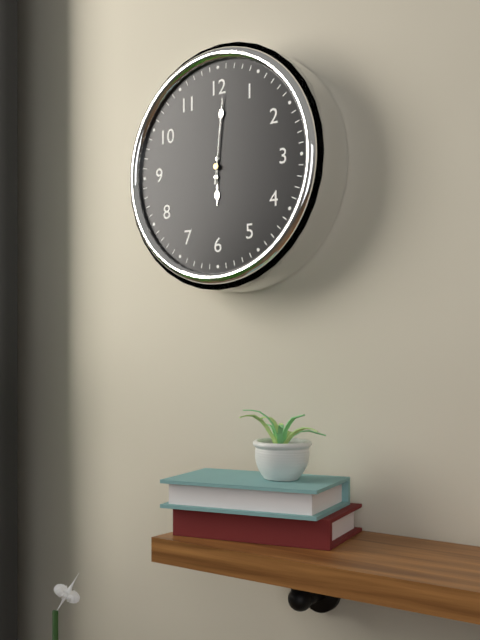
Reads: **6:01:01**
